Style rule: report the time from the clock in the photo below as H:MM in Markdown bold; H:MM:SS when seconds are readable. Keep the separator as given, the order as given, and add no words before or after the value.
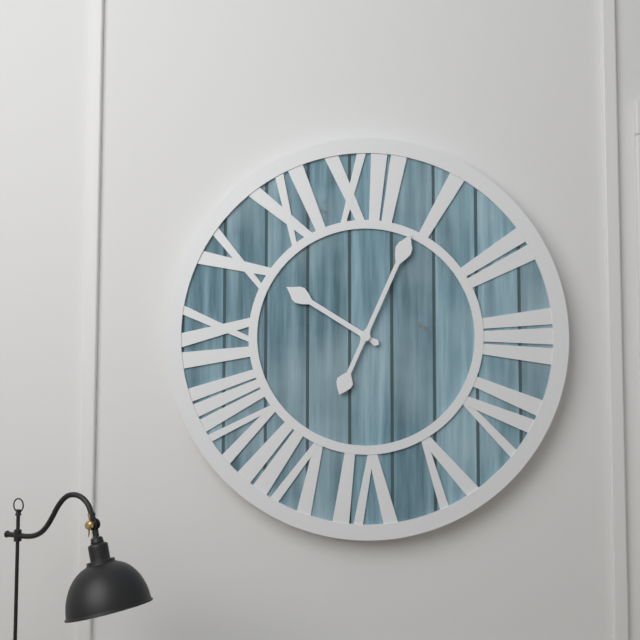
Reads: **10:04**
